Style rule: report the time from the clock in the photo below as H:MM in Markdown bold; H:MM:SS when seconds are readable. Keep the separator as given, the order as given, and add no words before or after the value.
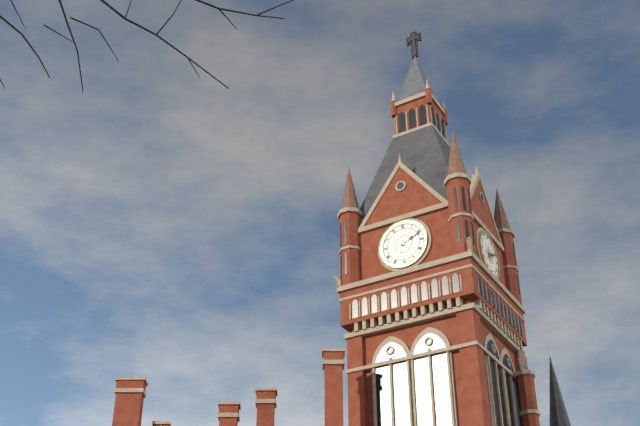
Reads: **2:11**
